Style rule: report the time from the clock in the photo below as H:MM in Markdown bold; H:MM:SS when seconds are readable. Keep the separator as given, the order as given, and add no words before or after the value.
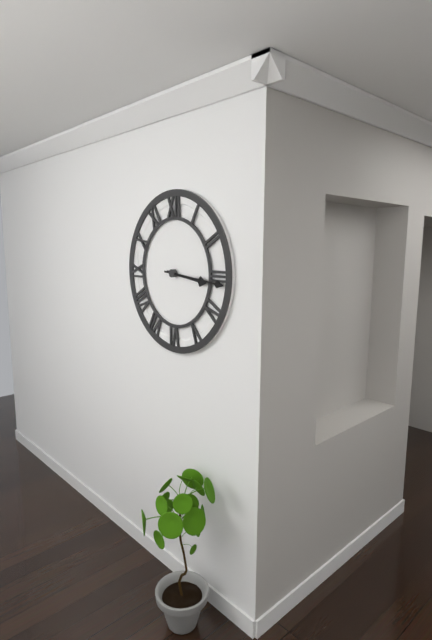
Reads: **3:16**
